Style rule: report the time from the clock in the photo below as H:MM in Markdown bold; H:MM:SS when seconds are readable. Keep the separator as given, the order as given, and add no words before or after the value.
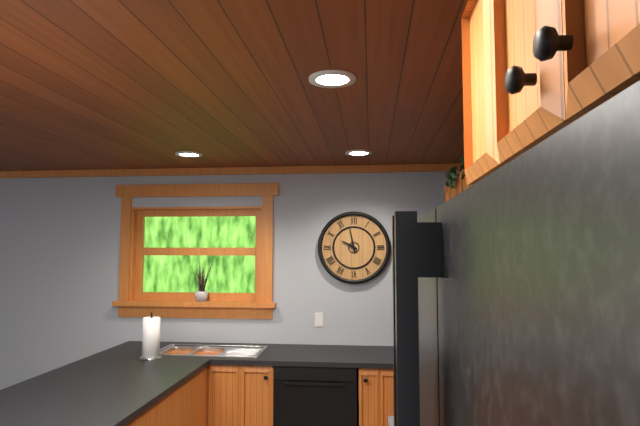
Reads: **9:58**
